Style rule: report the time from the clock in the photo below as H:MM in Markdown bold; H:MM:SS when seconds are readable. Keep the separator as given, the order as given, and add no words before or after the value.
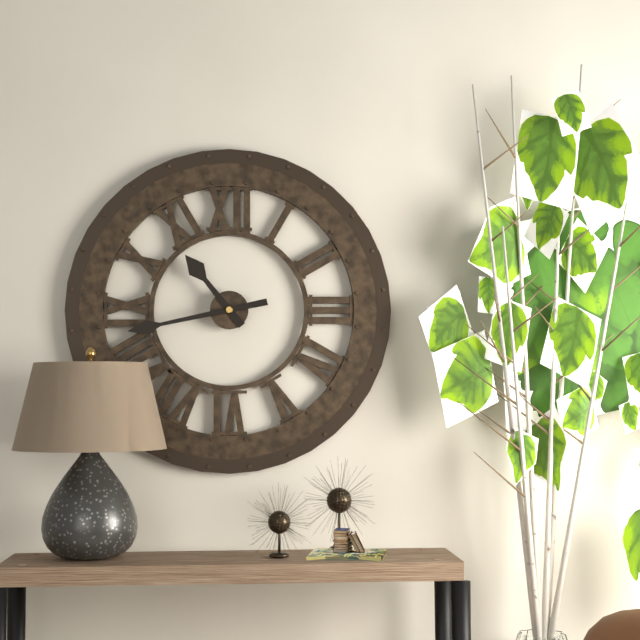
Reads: **10:43**
